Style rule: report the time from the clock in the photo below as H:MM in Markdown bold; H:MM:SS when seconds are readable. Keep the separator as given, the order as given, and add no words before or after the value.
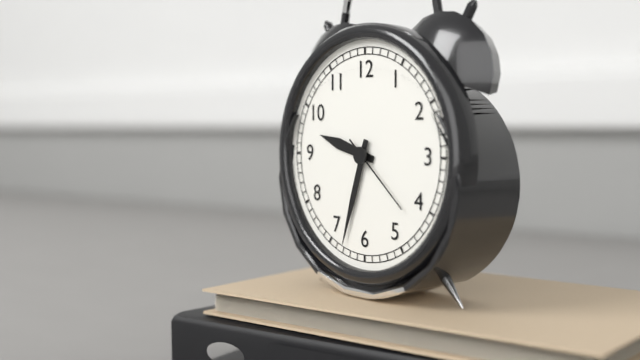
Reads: **9:33:22**
